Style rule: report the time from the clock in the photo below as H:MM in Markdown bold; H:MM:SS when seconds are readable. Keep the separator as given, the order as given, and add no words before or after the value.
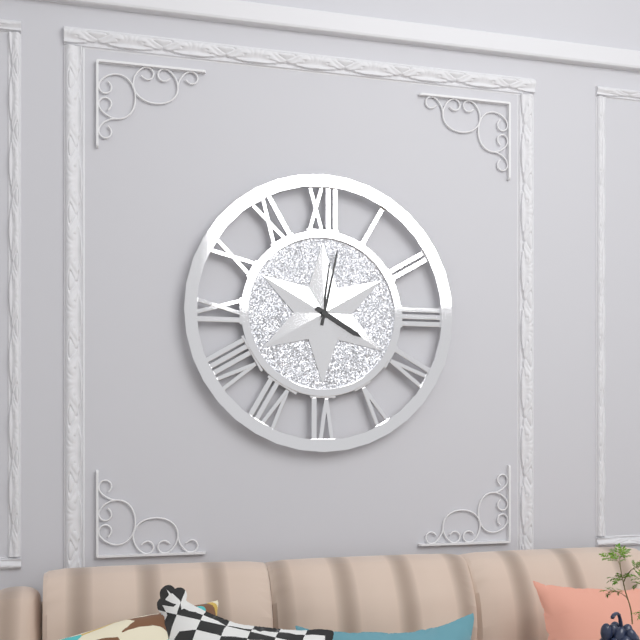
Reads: **4:02**
